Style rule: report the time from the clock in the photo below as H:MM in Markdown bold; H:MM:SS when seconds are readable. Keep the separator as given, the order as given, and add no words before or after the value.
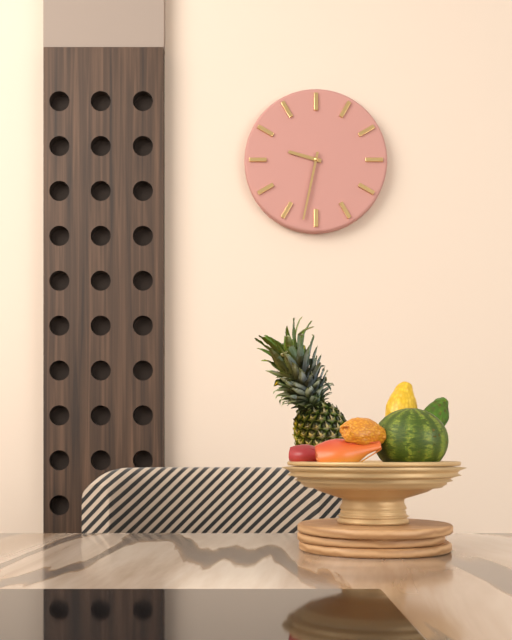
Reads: **9:32**
